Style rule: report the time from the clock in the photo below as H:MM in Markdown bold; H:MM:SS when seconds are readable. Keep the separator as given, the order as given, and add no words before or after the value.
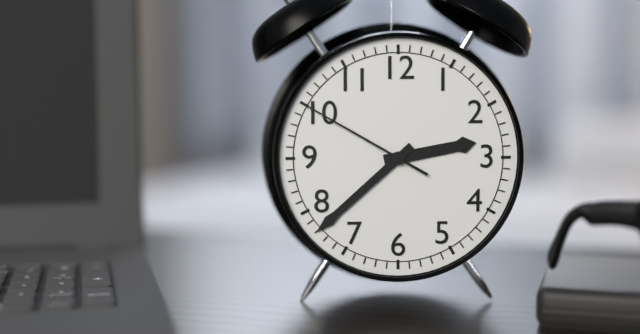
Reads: **2:38:50**
